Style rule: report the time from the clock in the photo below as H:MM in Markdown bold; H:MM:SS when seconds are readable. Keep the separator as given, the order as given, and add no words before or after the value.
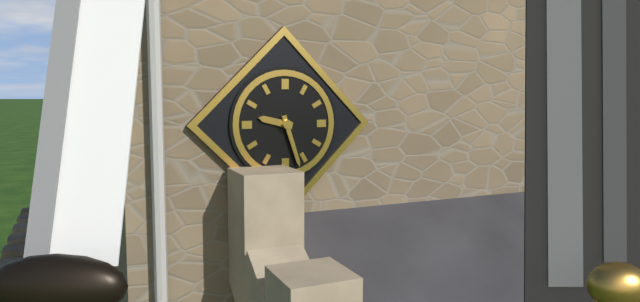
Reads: **9:27**
